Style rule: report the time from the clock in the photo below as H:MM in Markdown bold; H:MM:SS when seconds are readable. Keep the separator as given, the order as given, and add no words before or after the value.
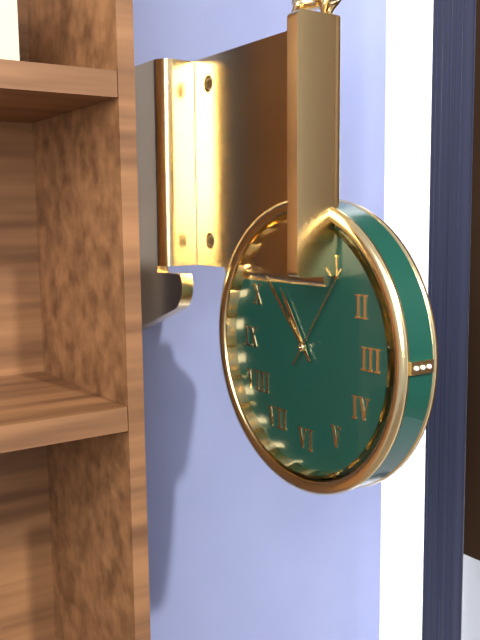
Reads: **10:53:06**
